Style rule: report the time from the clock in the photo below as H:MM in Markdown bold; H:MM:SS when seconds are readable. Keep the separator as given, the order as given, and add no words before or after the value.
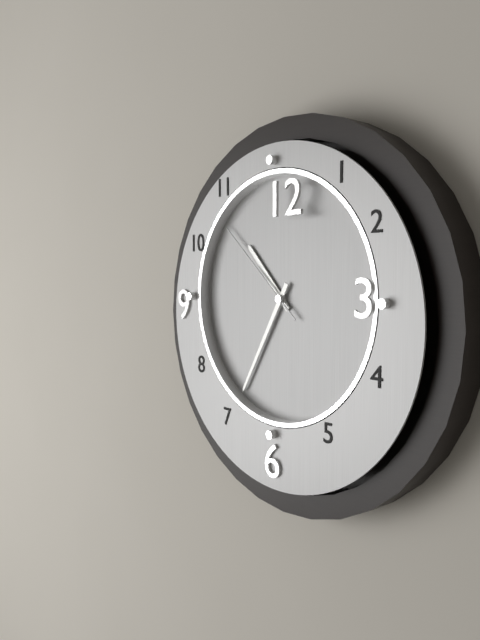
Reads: **10:35:52**
